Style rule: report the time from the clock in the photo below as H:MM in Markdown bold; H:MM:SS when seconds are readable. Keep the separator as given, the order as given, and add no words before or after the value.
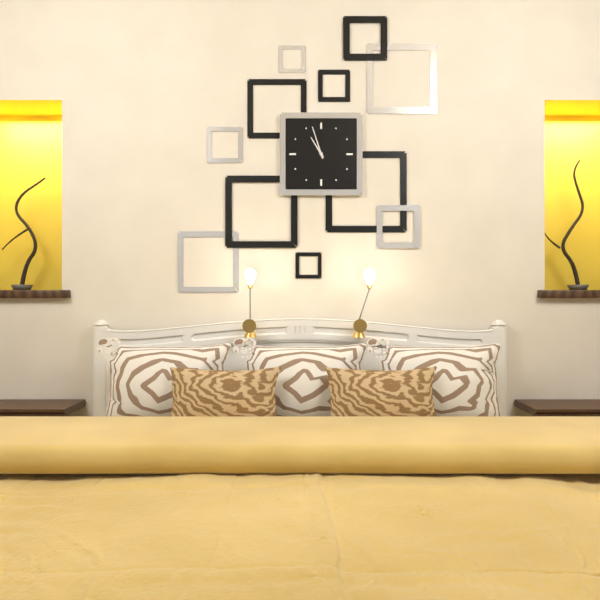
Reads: **10:57**
